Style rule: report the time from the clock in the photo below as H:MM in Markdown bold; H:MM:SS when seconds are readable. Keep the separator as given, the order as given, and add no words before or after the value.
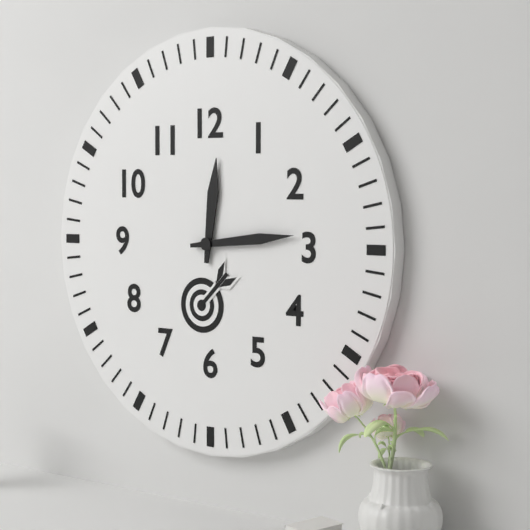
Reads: **12:14**
